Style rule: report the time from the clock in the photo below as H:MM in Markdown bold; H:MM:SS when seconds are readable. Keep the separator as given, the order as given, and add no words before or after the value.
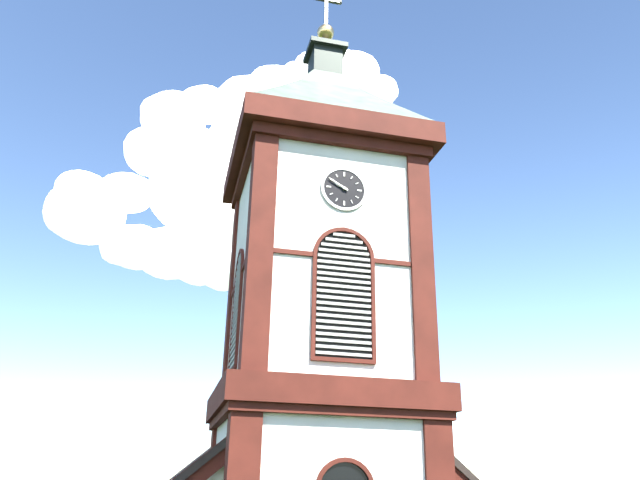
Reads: **9:50**
